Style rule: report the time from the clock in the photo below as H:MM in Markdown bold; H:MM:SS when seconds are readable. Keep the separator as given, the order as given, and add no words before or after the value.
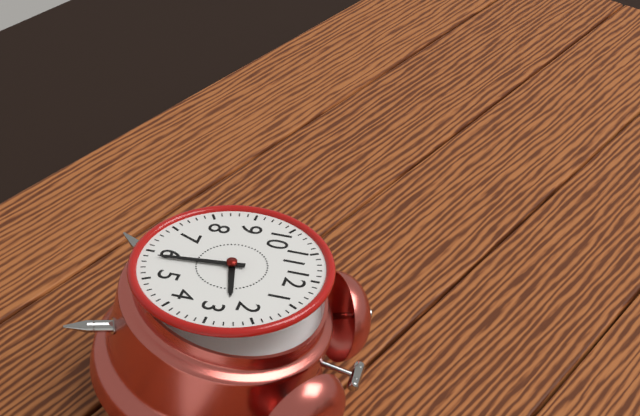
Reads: **2:29**
